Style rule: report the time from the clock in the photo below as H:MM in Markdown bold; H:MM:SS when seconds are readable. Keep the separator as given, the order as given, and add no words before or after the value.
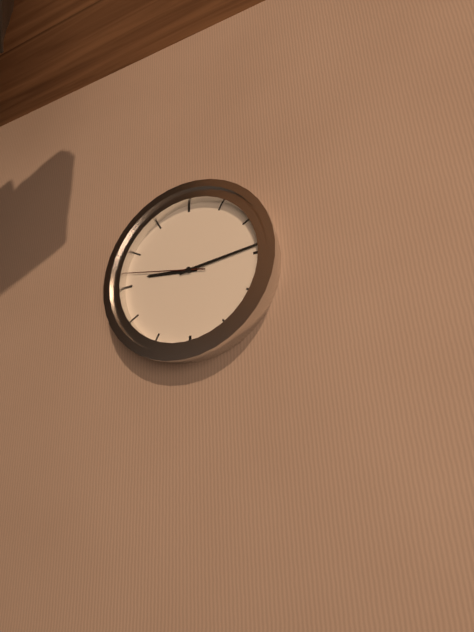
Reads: **9:14:47**
